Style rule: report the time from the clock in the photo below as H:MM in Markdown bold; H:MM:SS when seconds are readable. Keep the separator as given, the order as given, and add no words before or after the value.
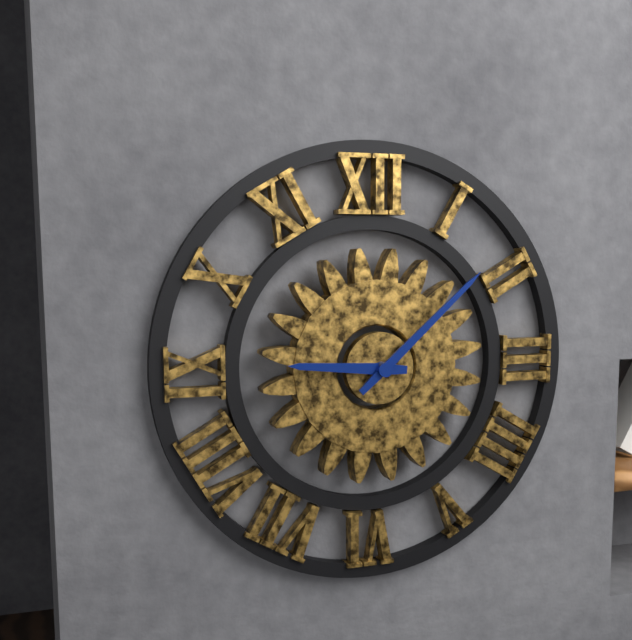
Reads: **9:08**
